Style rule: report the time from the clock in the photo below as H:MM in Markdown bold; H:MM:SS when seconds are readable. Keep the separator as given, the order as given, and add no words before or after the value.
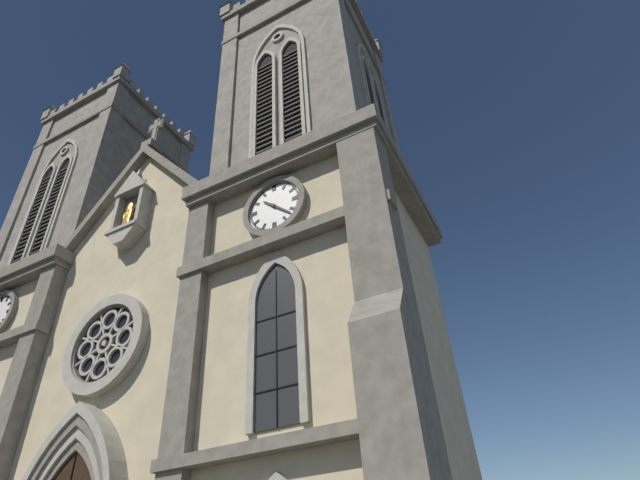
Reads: **10:22**
